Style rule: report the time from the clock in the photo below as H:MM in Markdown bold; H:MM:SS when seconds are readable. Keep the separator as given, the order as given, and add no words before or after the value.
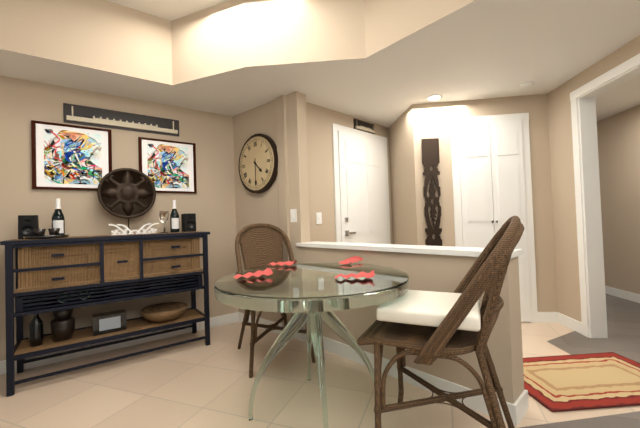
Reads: **4:30**
